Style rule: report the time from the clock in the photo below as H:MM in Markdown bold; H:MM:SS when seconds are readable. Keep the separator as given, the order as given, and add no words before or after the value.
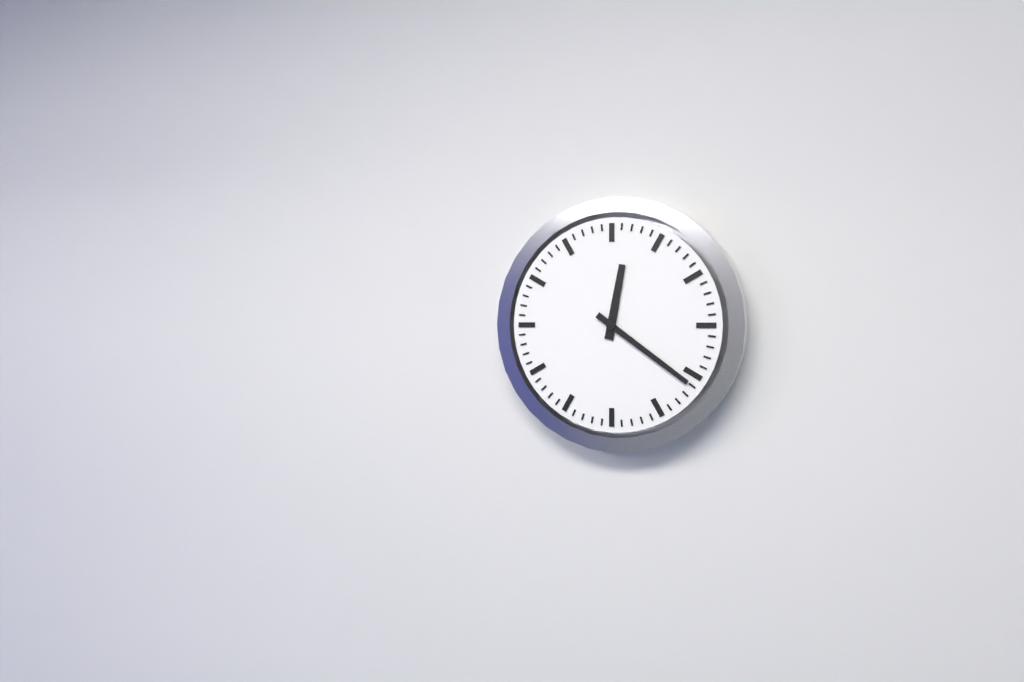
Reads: **12:21**
